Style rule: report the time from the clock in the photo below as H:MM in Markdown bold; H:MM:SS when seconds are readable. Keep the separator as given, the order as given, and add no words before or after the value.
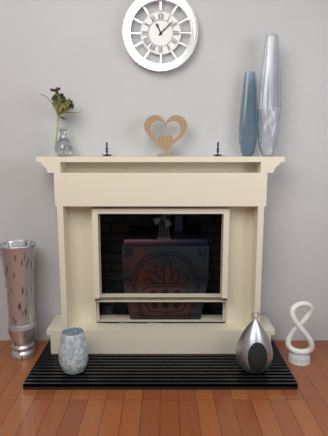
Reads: **11:08**
